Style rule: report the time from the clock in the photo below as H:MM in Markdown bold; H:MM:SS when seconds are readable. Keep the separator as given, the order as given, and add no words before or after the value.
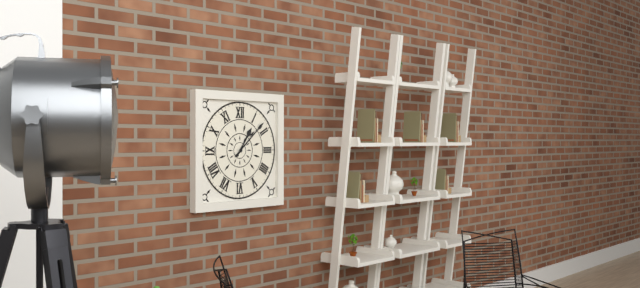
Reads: **1:08**
